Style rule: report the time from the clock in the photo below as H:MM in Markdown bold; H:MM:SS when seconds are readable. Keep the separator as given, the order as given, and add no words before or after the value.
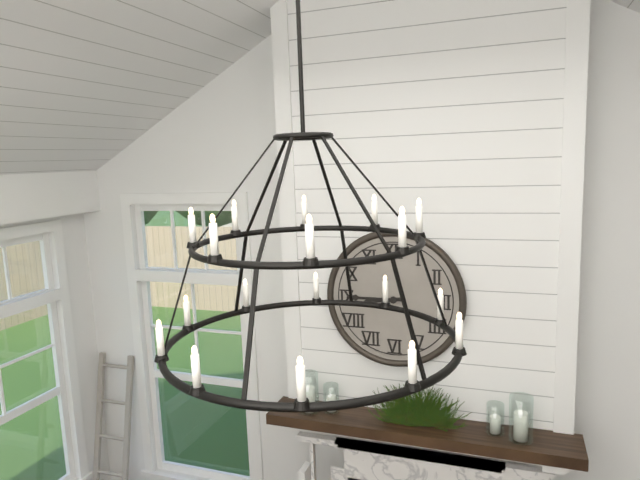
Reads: **8:45**
